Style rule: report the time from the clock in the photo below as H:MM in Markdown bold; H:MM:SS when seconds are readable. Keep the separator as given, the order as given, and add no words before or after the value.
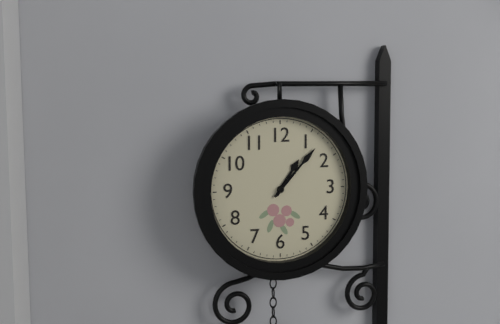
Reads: **1:07**
